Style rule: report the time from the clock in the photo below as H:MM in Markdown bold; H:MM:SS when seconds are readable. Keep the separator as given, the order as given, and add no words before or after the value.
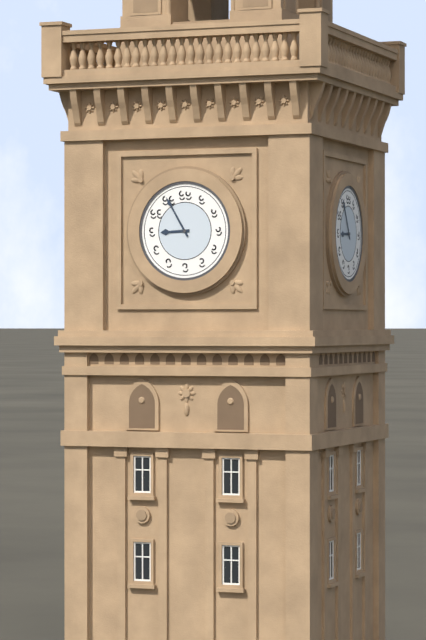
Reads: **8:55**
